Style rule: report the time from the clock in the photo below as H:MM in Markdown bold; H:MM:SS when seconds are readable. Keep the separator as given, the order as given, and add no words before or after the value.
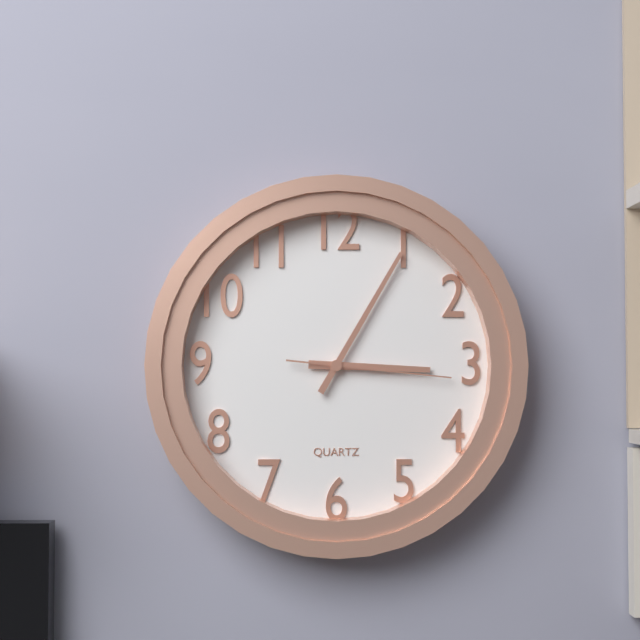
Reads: **3:05:16**
